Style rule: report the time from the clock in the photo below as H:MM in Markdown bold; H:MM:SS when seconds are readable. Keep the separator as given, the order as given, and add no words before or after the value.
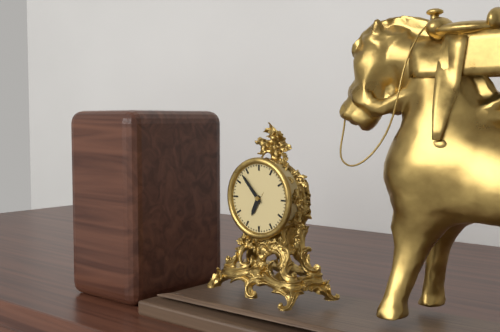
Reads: **6:53**
